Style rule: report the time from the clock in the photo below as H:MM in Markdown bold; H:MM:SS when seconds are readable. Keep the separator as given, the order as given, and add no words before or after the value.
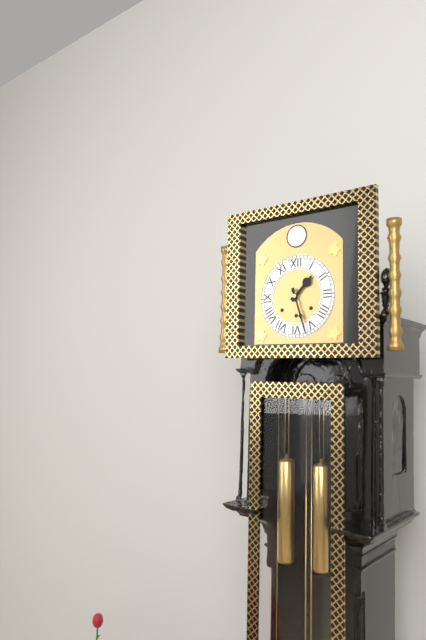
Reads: **1:27**
